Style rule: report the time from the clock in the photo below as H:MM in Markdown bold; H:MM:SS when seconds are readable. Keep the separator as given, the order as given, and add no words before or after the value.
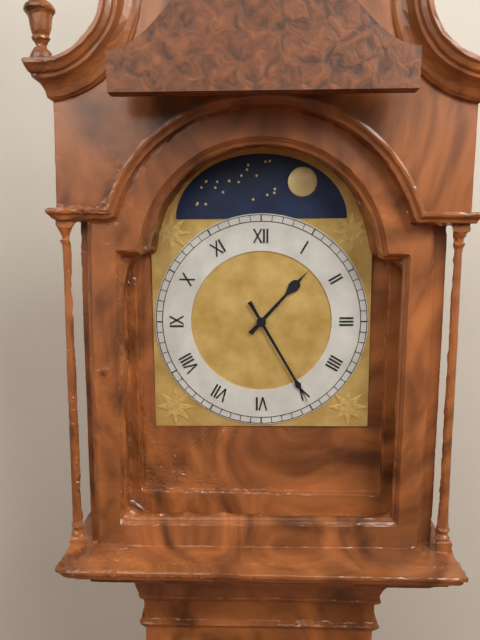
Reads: **1:25**
